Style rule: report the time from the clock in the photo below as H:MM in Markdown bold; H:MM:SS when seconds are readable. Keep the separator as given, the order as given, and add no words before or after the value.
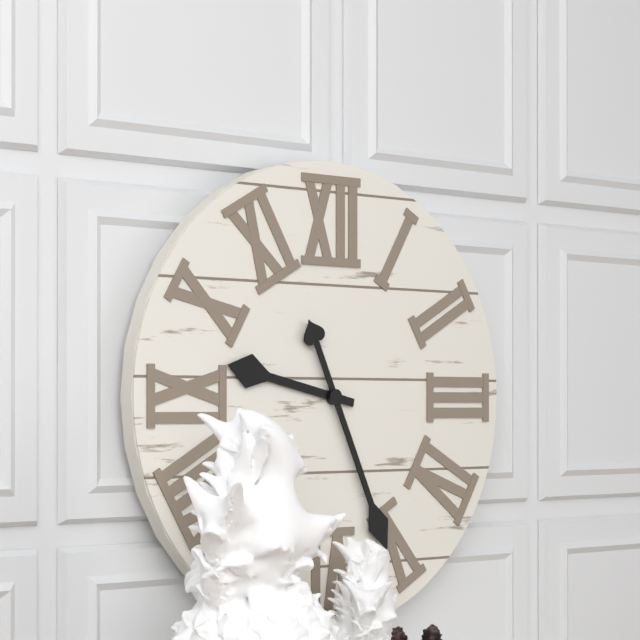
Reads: **9:26**
